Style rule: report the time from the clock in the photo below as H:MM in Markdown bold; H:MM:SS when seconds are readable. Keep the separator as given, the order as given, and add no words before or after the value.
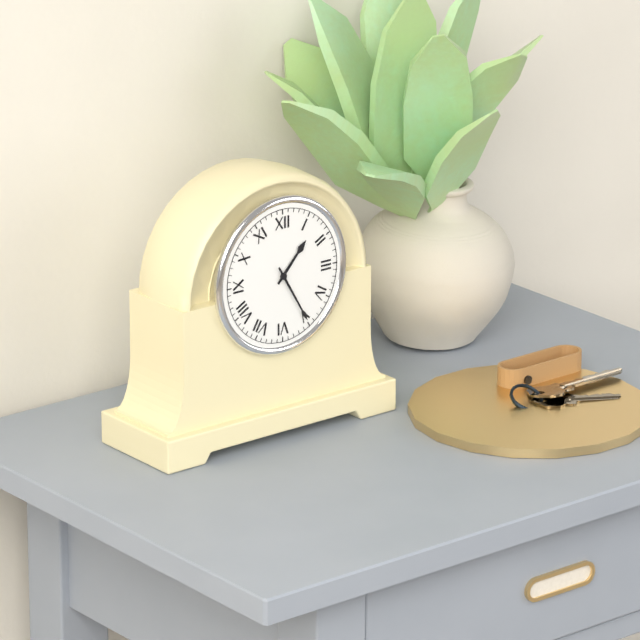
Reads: **1:25**
